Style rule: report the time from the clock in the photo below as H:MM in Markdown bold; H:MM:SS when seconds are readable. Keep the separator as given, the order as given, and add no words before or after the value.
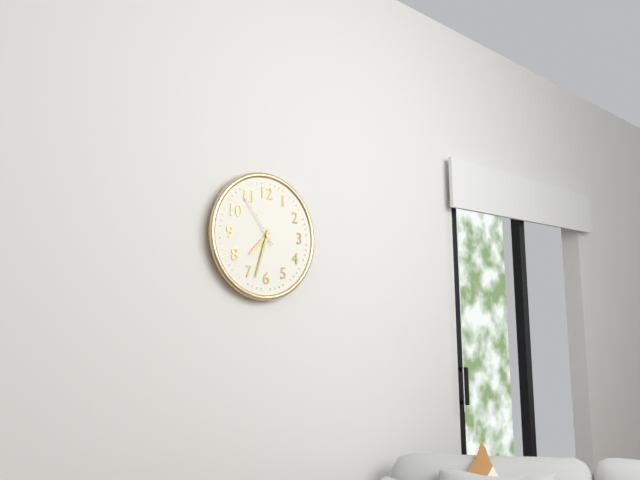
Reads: **7:33:54**
